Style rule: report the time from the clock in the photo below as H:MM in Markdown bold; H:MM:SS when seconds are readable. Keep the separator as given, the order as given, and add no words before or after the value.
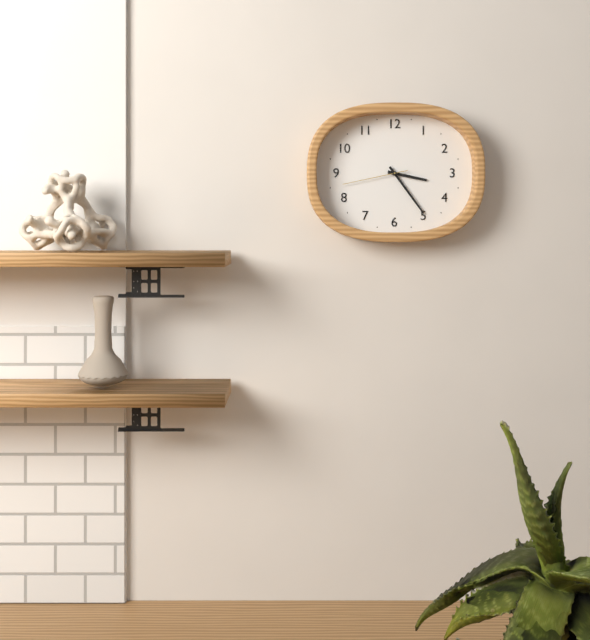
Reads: **3:24:43**
